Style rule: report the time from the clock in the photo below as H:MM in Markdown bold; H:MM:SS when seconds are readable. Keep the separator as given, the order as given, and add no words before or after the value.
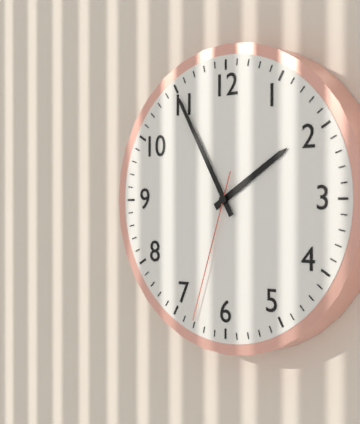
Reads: **1:55:33**
